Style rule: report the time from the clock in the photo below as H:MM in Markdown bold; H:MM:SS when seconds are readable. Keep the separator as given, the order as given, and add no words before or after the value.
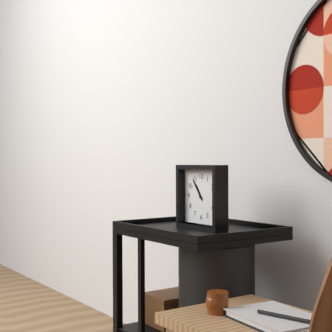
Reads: **10:54**
